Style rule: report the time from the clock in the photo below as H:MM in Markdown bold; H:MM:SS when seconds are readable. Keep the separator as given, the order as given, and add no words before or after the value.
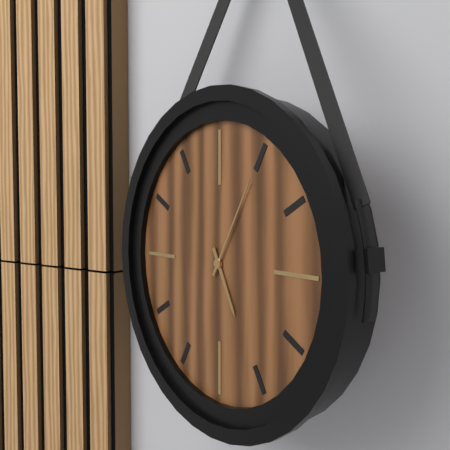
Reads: **5:05**
